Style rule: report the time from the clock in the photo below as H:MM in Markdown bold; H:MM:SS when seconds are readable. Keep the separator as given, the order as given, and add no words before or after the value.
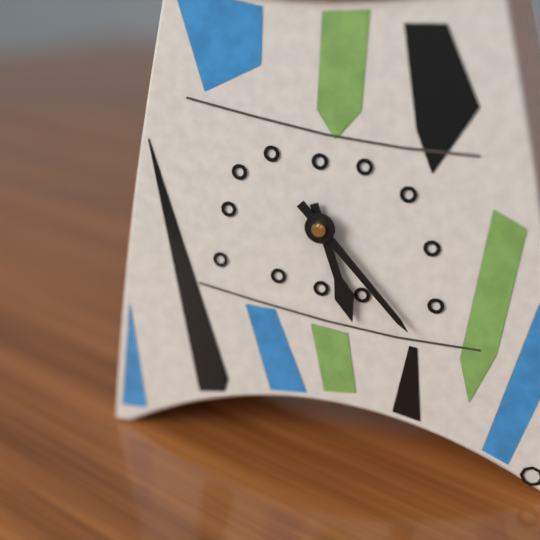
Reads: **5:23**
